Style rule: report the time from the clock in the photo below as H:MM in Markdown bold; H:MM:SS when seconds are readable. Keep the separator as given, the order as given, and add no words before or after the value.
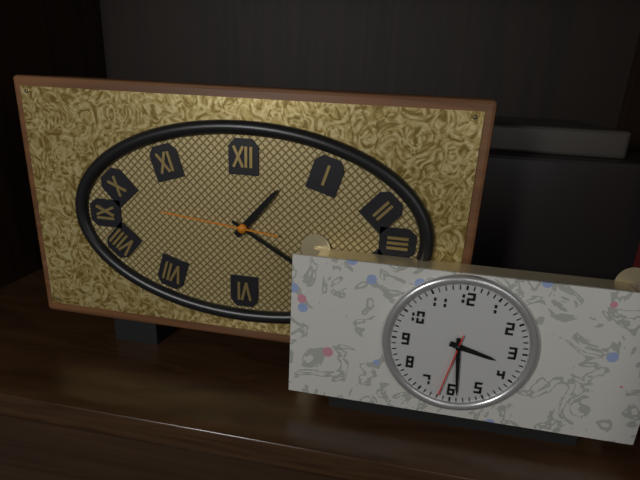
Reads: **1:20:46**
